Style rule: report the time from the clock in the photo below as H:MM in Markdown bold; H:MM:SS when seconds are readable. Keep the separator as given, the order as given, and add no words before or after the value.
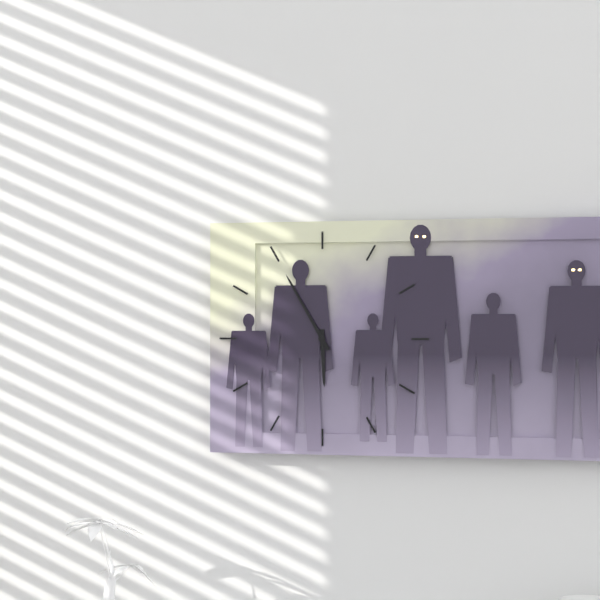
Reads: **5:55**
